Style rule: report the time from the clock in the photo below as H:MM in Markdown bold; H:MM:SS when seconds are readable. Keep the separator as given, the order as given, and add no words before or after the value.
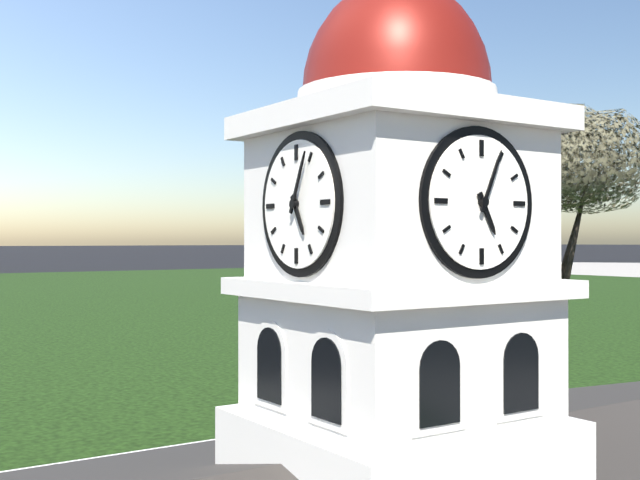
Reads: **5:04**
